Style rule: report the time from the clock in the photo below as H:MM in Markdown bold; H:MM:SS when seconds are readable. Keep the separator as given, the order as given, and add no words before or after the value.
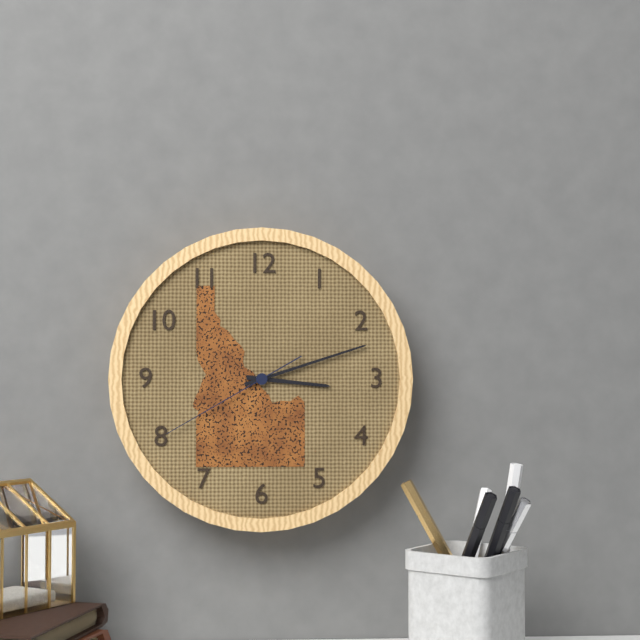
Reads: **3:12:40**
